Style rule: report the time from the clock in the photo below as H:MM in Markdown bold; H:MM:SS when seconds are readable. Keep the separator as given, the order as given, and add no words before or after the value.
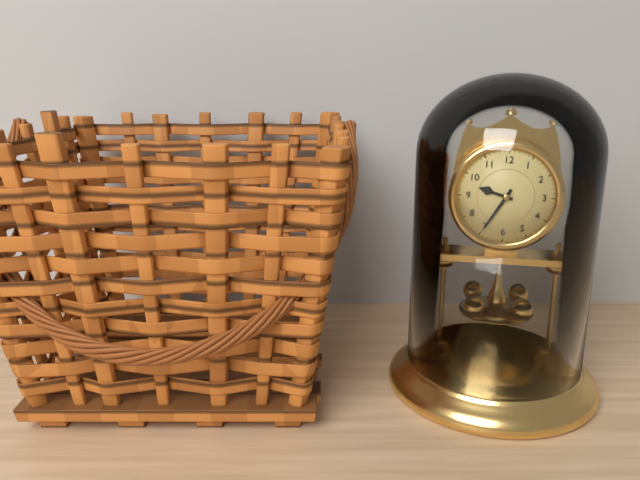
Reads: **9:35**
